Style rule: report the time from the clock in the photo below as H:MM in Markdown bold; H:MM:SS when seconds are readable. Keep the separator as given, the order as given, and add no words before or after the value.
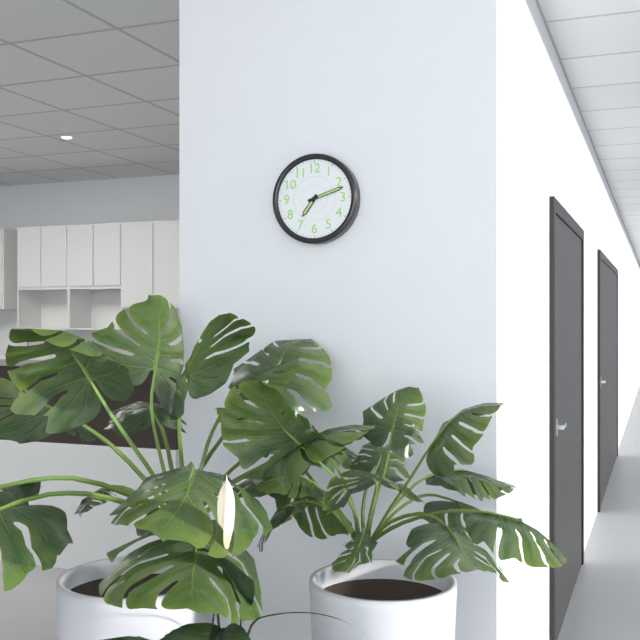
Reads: **7:12**
